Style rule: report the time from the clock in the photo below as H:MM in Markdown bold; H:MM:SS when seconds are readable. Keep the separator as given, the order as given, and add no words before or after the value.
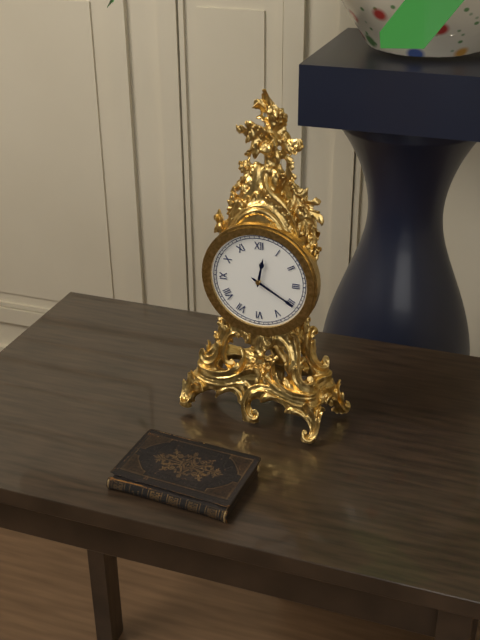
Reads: **12:20**
